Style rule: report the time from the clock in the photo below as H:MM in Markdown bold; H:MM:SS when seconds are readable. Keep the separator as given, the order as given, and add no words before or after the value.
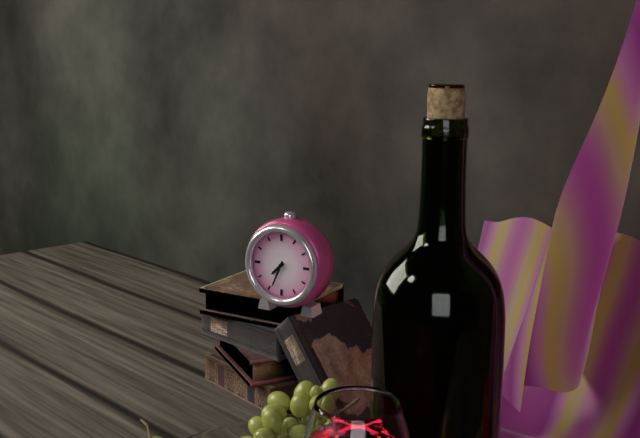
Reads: **7:34**
